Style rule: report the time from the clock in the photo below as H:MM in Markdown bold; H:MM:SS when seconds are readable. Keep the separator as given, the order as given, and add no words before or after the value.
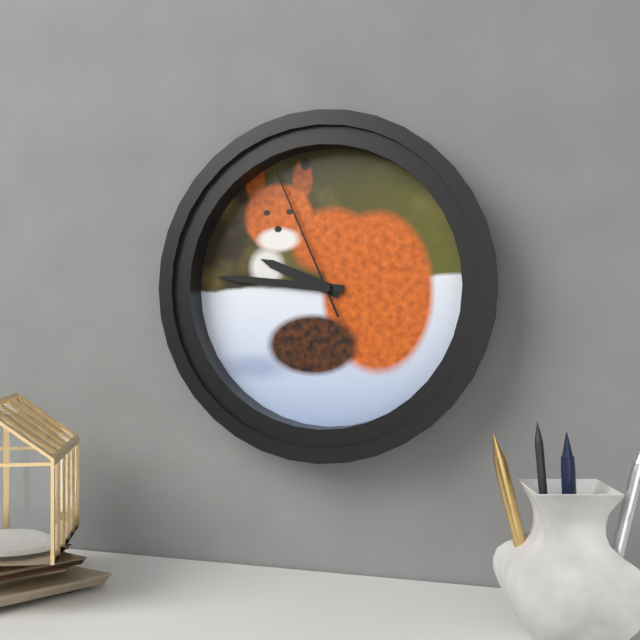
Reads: **9:46:56**
